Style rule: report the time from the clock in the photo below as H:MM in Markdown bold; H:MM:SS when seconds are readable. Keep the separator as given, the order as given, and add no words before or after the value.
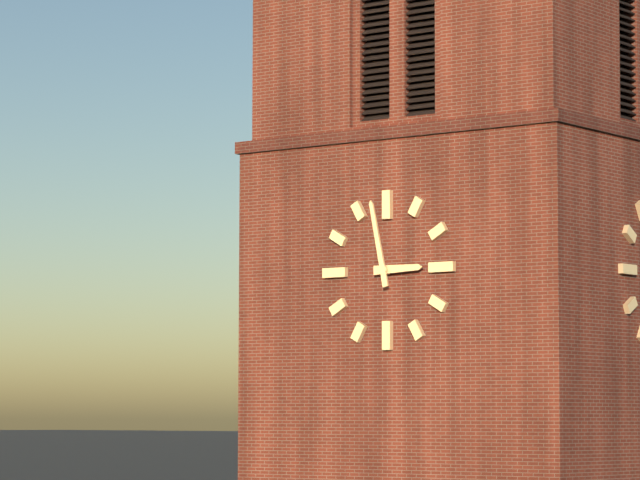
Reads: **2:58**
